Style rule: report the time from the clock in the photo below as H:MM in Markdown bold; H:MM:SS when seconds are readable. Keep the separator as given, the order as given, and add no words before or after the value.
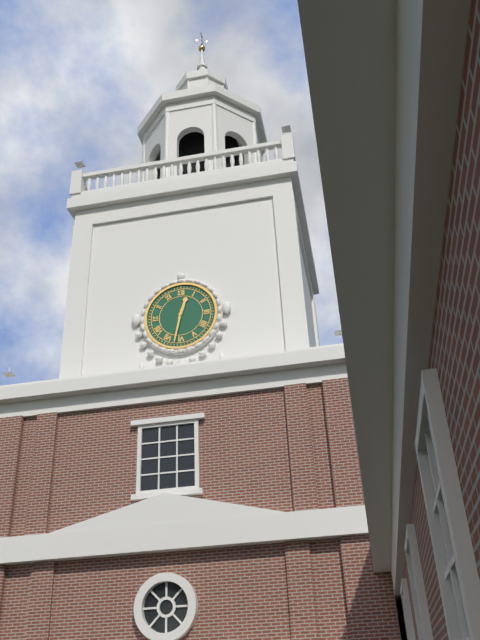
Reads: **12:32**
